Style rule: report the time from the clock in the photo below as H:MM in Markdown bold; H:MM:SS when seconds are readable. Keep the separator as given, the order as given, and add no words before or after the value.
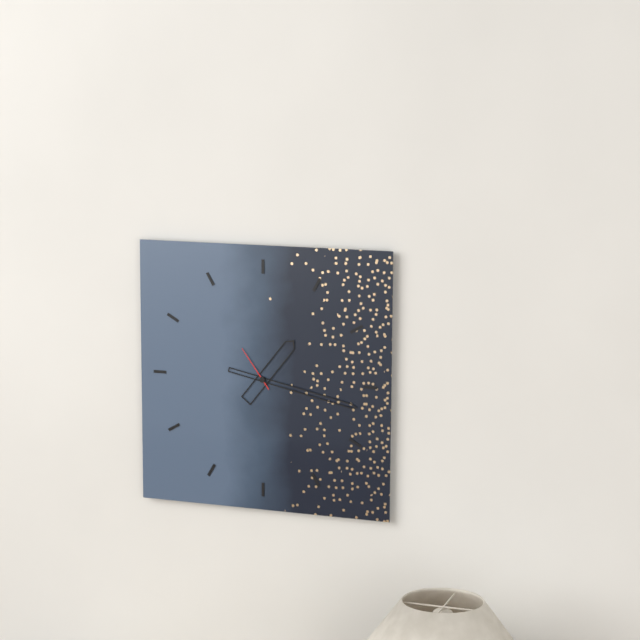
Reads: **1:17**
